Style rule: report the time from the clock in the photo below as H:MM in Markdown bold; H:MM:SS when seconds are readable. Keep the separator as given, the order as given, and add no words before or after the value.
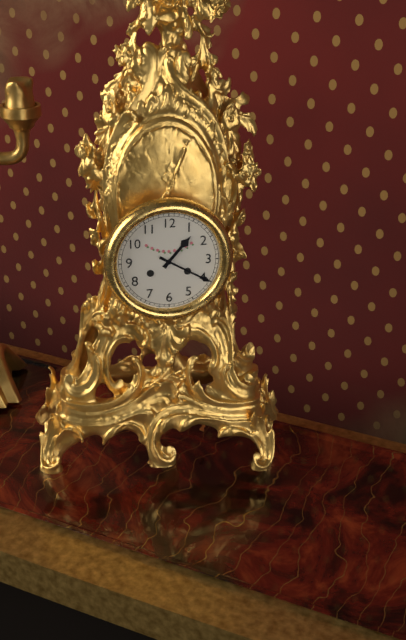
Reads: **1:20**
